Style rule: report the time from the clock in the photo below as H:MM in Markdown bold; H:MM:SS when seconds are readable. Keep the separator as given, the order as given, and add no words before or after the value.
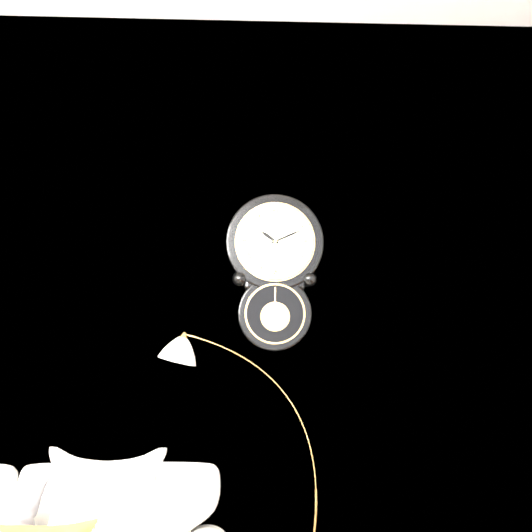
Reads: **10:11**
